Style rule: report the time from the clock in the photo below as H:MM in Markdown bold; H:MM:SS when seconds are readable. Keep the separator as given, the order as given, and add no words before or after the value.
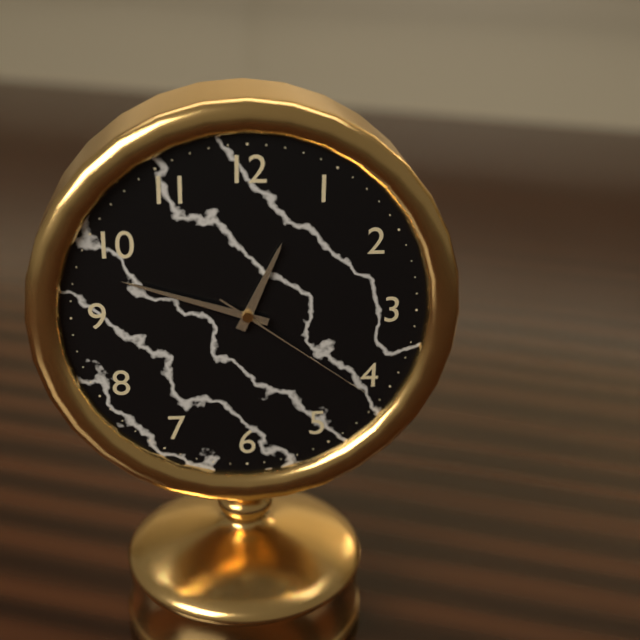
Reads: **12:48:21**
